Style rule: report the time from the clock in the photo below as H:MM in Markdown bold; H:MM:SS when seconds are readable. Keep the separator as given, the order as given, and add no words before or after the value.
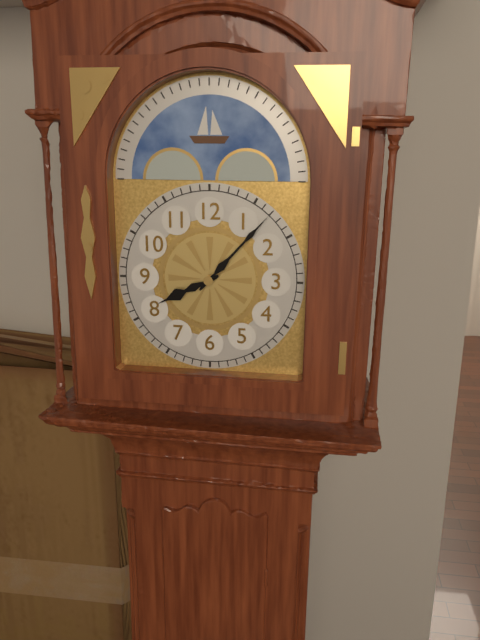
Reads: **8:07**
